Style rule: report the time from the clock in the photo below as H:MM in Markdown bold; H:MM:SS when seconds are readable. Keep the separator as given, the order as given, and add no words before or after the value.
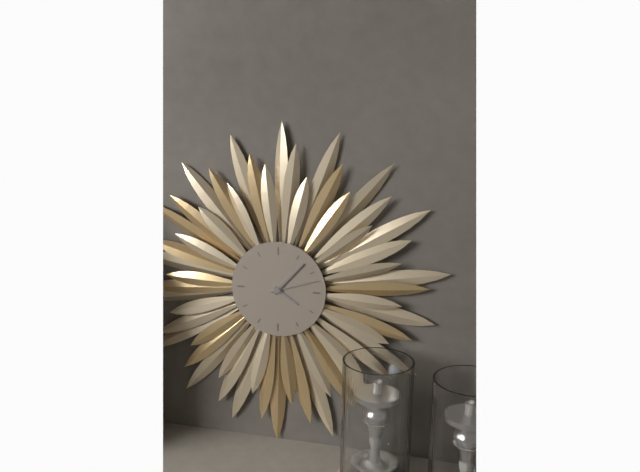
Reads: **4:07:12**
